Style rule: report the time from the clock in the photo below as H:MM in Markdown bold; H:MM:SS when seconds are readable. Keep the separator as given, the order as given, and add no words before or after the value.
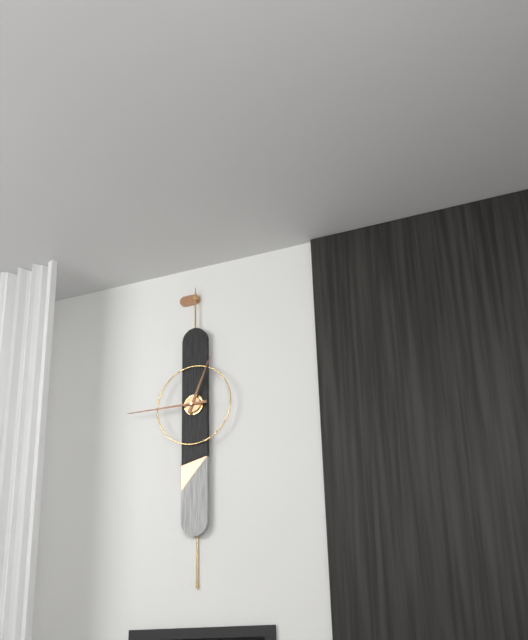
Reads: **12:45**
